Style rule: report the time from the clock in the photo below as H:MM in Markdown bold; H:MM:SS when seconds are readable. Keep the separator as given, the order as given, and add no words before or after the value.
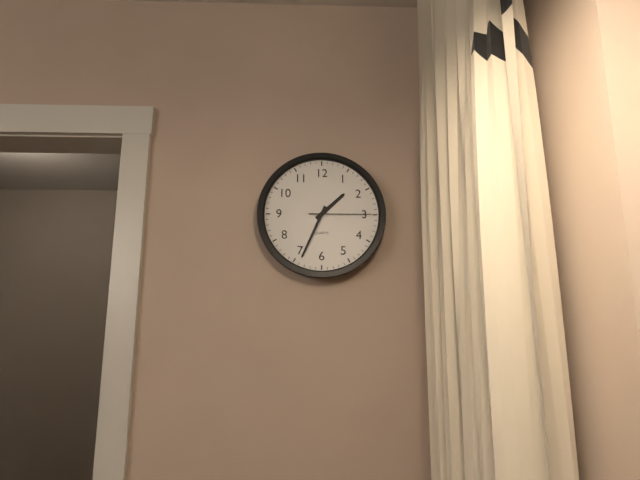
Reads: **1:34:15**
